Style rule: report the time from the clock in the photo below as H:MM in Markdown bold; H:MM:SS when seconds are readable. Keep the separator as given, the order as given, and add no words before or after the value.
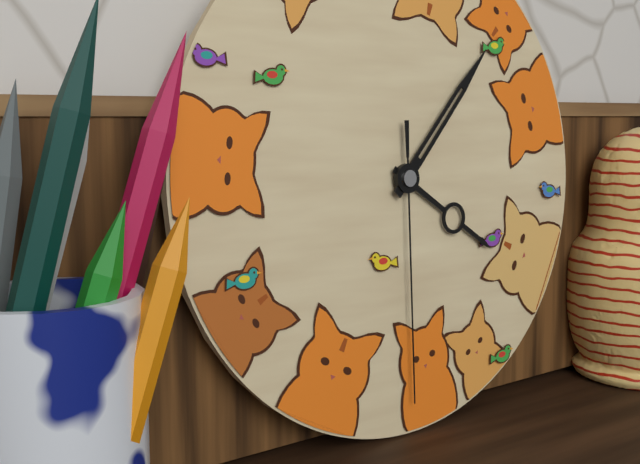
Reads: **4:07:30**
